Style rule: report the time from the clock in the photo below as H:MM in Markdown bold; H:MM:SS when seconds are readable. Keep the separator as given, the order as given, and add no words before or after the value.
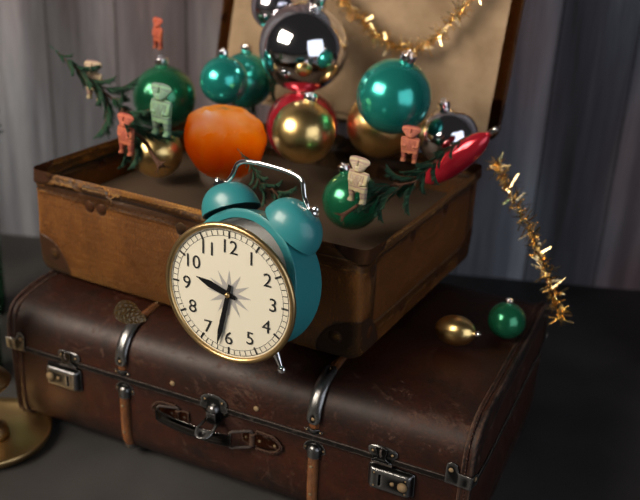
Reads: **9:32**
